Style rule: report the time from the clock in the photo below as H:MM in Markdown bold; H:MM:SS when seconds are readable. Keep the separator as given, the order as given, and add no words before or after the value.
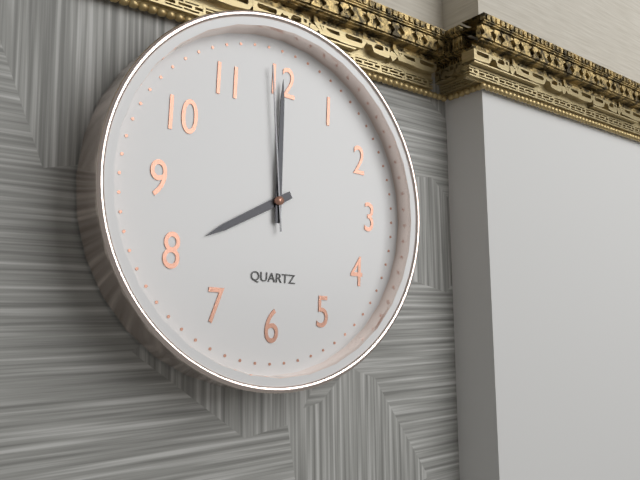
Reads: **8:00:59**
